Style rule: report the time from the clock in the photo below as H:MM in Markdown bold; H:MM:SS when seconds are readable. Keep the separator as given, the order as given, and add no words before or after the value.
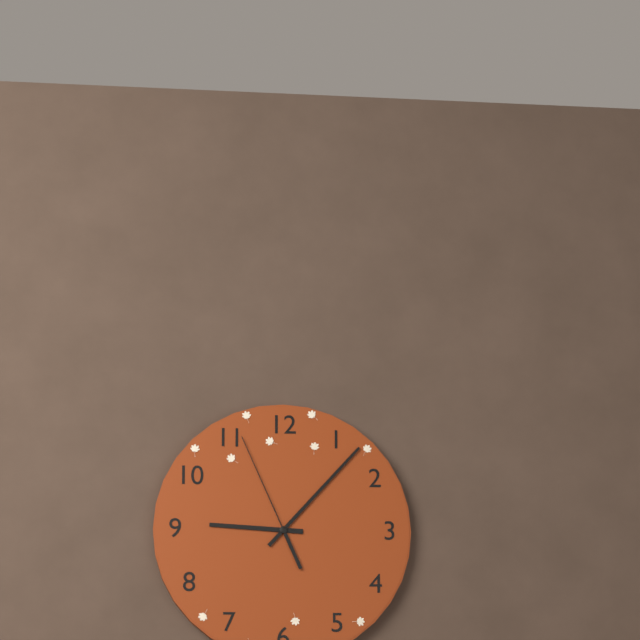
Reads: **9:07:56**
